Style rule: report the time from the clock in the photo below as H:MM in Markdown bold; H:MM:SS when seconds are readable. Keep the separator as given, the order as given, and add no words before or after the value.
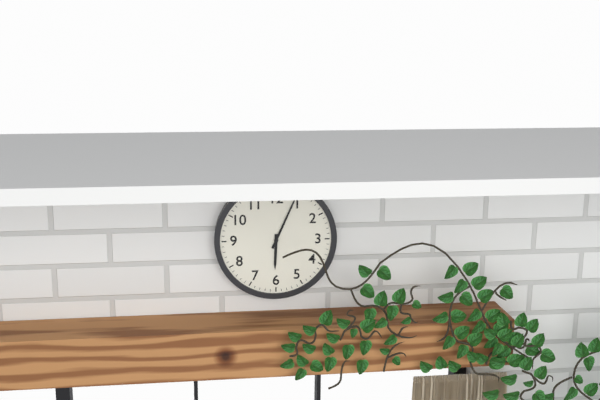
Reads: **6:04**
